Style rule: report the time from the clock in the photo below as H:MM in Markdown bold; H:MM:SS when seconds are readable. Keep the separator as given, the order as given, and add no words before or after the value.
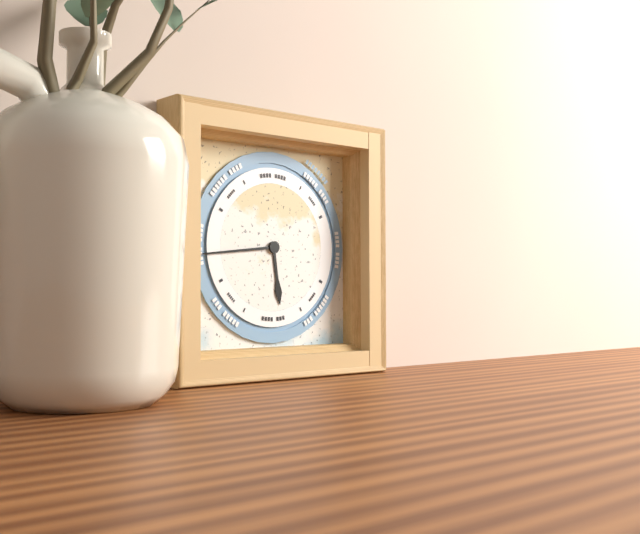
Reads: **5:44**
